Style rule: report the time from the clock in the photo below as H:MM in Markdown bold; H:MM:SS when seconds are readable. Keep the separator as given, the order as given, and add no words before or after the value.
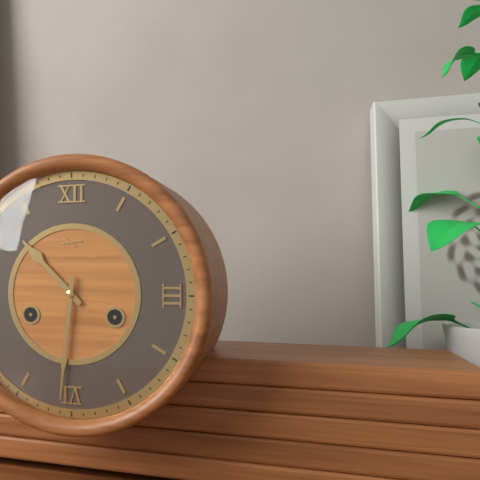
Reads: **10:31**
